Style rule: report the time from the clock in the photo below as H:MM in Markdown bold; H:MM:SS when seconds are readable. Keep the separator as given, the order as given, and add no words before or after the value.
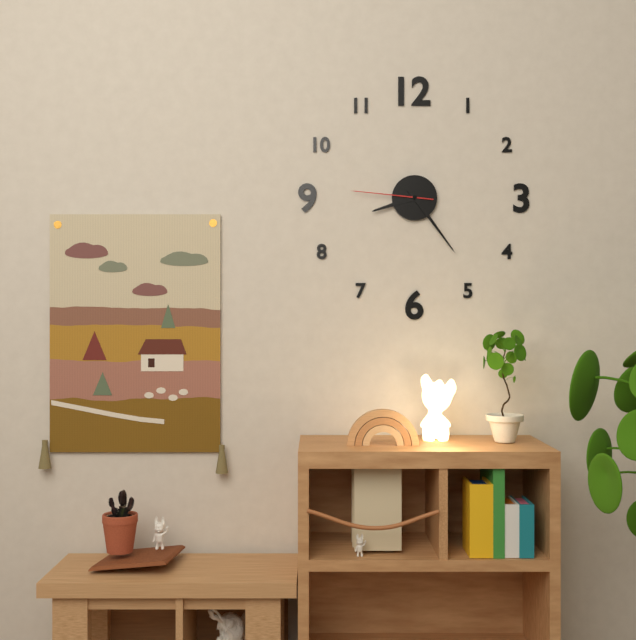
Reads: **8:24:46**
